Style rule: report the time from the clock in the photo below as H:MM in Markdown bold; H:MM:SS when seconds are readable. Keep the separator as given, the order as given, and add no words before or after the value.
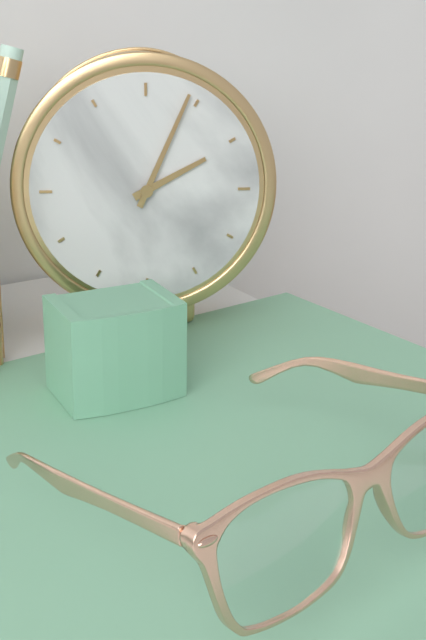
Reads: **2:04**
